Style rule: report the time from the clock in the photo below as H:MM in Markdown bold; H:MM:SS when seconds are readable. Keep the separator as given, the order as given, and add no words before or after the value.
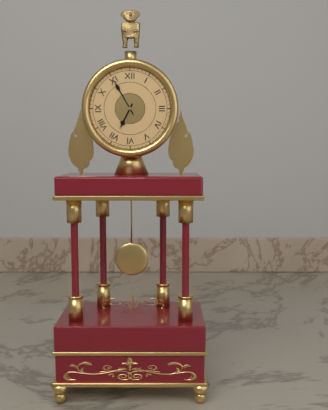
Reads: **6:55**
